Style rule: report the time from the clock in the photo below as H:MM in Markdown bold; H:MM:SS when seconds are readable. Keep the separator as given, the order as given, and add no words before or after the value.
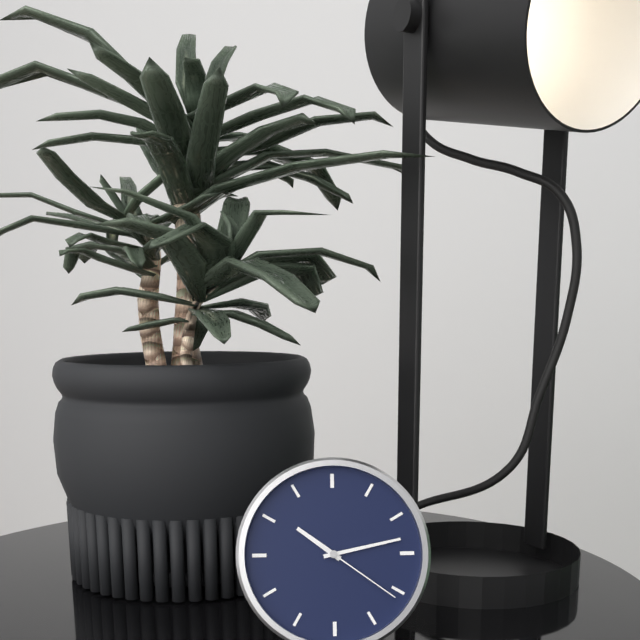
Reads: **10:13:21**
